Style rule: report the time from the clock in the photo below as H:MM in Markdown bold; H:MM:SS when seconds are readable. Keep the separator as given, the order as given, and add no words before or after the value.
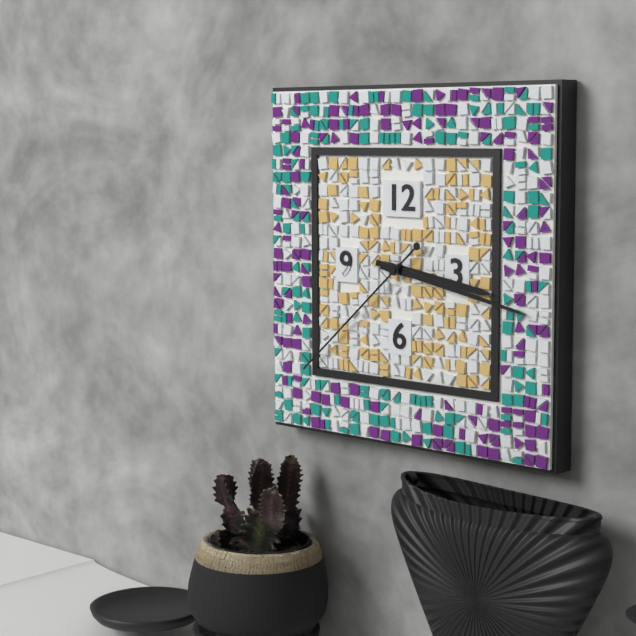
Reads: **3:17:38**
